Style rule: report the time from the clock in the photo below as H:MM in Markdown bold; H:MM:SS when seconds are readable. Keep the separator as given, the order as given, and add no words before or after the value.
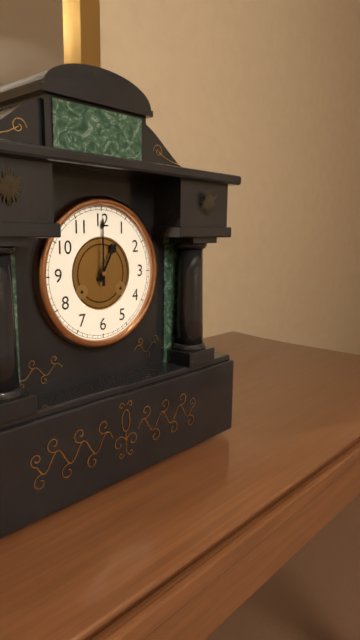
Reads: **1:00**
